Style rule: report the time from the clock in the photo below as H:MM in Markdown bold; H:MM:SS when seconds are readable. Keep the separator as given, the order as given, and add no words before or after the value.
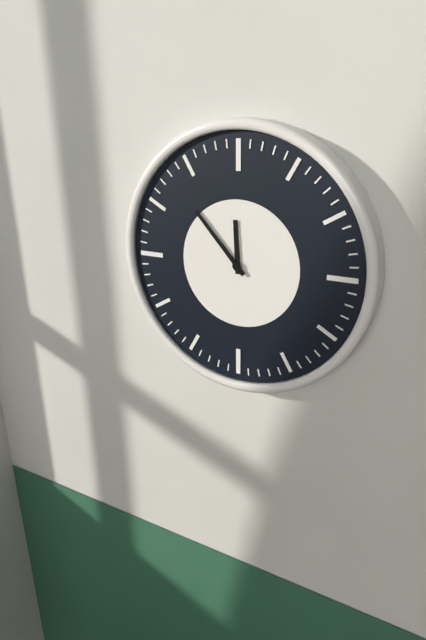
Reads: **11:53**
